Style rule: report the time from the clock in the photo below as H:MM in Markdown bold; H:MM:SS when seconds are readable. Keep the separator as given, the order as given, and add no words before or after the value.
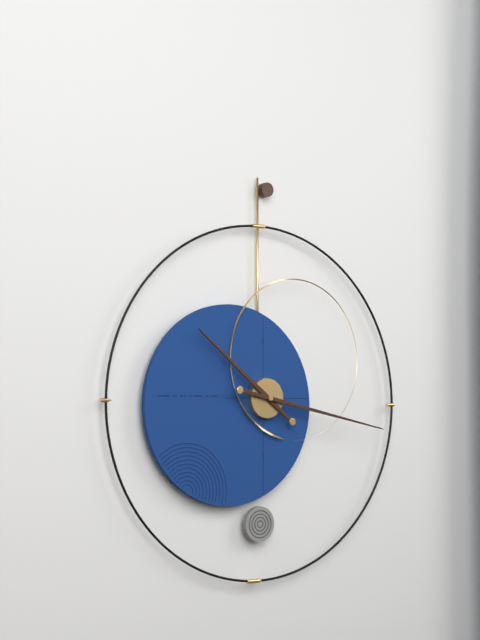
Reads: **10:17**
